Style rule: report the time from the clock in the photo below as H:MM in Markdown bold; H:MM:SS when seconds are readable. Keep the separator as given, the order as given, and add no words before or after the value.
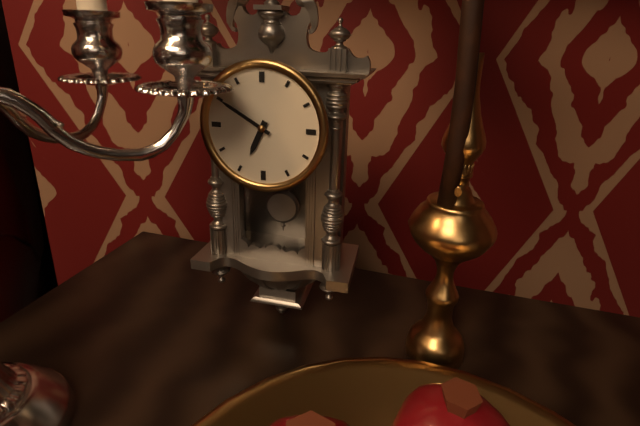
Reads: **6:50**
